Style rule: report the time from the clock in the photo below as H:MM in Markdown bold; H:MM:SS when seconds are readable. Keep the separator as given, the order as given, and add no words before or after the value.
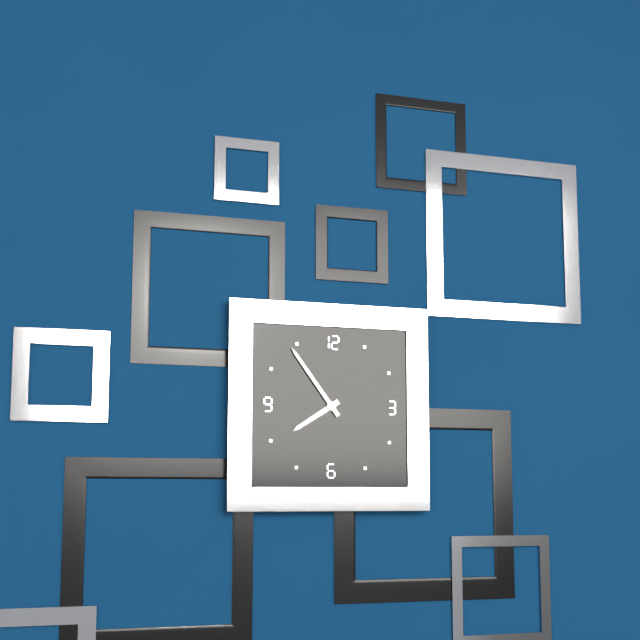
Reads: **7:54**
